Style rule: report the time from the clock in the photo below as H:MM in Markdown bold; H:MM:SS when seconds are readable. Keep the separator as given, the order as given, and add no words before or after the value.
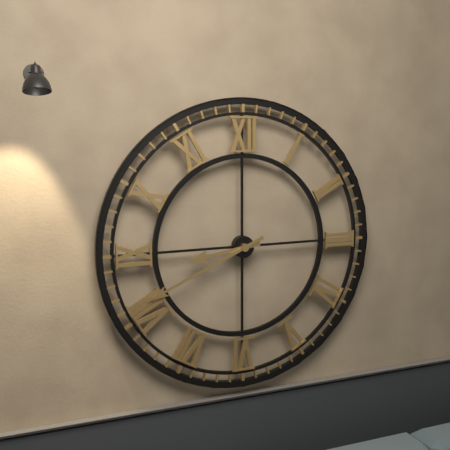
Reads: **8:41**
